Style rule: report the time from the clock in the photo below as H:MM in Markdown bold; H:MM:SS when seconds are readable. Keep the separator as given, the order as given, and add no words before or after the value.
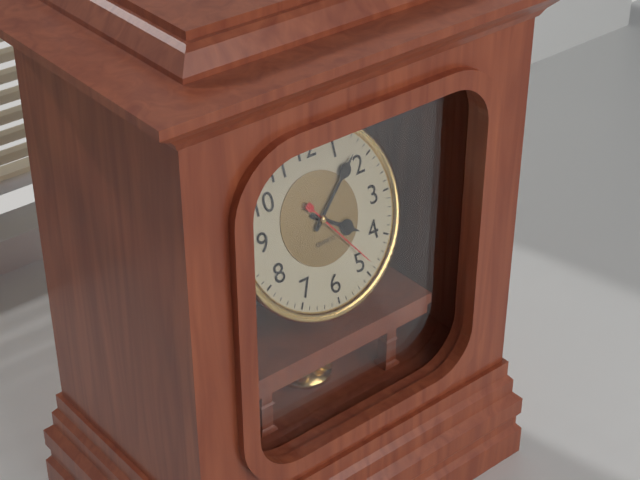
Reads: **4:08:24**
